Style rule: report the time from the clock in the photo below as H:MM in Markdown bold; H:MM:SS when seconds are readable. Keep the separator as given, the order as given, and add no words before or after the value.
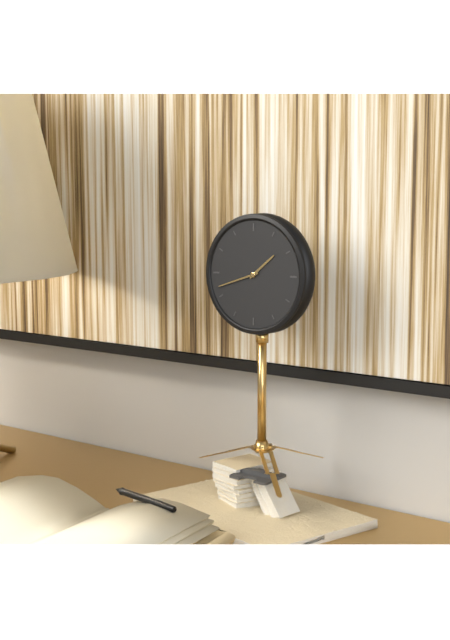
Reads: **1:42**
